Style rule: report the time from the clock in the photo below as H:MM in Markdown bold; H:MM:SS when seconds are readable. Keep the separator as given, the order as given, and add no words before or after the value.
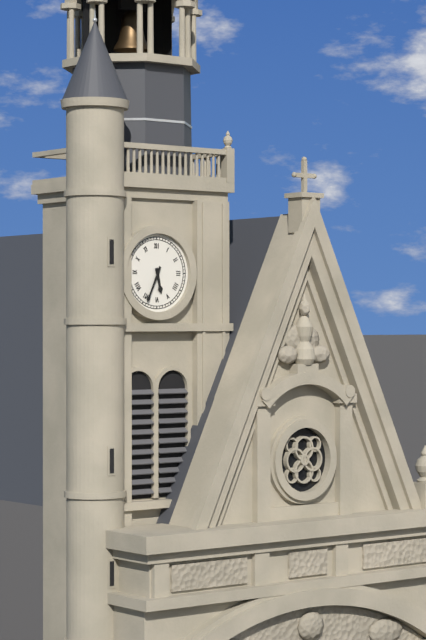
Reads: **5:34**
